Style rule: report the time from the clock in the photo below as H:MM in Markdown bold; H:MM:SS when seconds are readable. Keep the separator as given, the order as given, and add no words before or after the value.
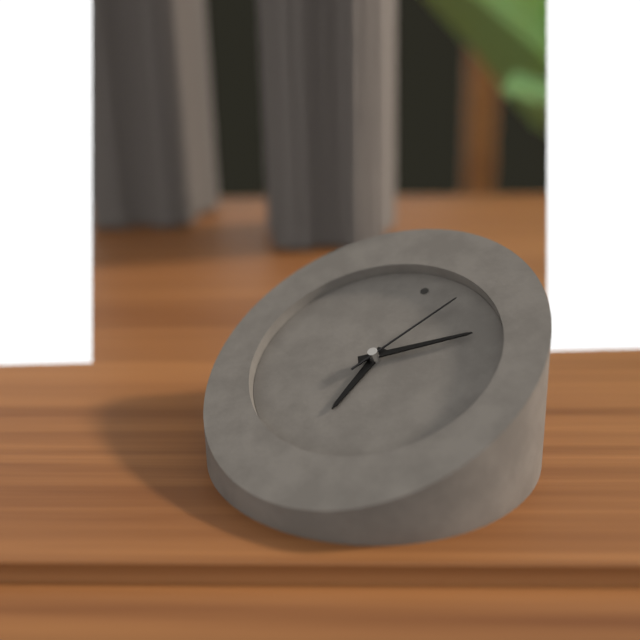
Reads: **6:09:04**
